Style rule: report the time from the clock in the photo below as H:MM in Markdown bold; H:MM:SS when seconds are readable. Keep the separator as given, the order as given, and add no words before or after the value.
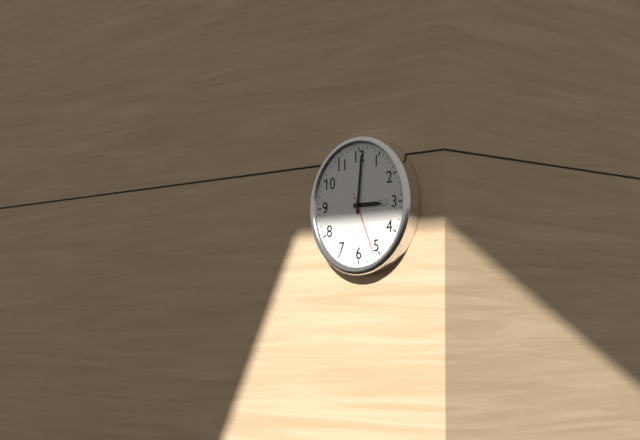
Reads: **3:01:26**
